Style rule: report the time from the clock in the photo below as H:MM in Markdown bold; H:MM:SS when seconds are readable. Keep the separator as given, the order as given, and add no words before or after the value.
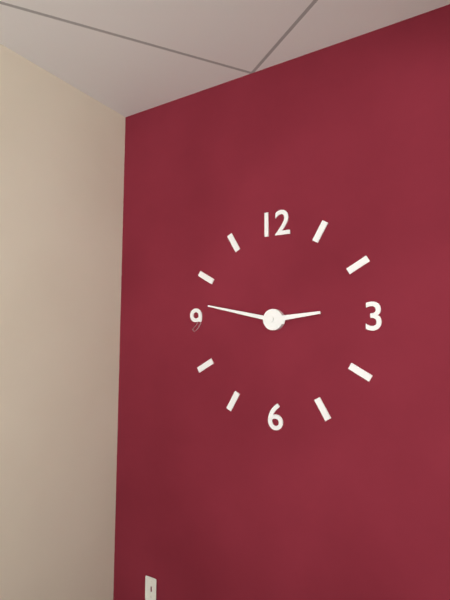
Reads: **2:47**
